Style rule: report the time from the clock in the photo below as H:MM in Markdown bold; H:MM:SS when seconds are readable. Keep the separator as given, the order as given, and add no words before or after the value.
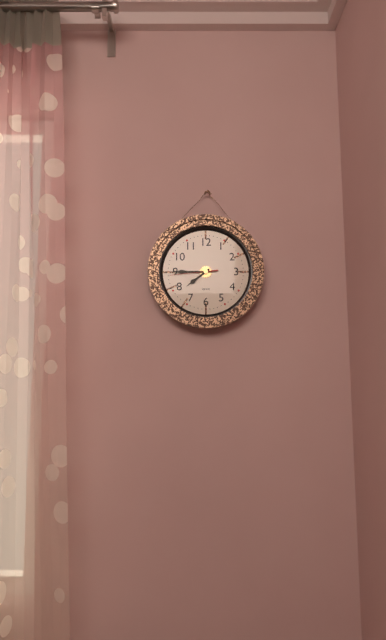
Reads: **7:45**
